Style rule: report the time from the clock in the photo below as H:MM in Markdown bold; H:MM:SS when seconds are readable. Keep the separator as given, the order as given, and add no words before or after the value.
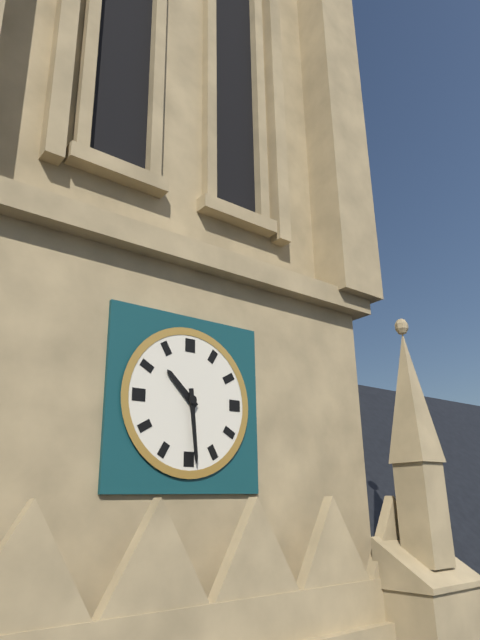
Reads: **10:29**
